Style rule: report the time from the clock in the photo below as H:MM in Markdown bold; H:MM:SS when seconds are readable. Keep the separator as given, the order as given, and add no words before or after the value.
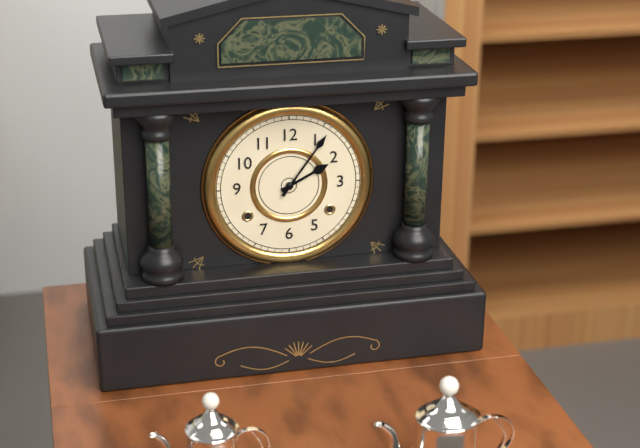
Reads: **2:06**
